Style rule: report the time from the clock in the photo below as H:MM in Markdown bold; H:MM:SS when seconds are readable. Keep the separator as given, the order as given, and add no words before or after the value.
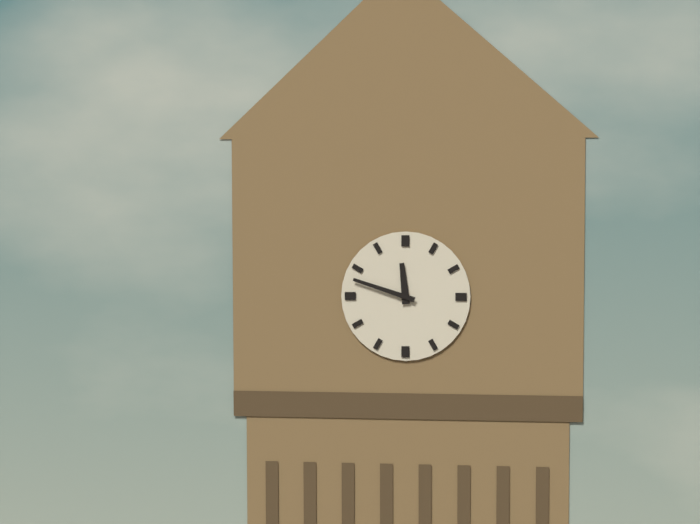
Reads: **11:48**
